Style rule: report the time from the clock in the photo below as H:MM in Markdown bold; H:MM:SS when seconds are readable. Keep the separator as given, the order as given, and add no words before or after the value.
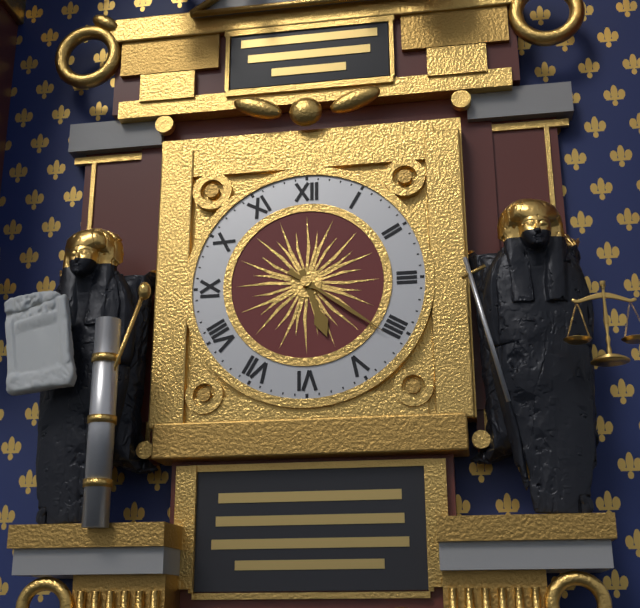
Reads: **5:21**
